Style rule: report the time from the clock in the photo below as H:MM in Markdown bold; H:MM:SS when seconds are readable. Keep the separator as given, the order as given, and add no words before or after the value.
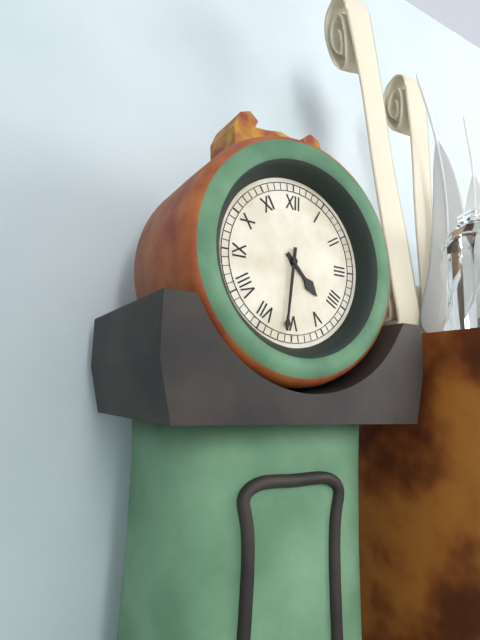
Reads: **4:31**
